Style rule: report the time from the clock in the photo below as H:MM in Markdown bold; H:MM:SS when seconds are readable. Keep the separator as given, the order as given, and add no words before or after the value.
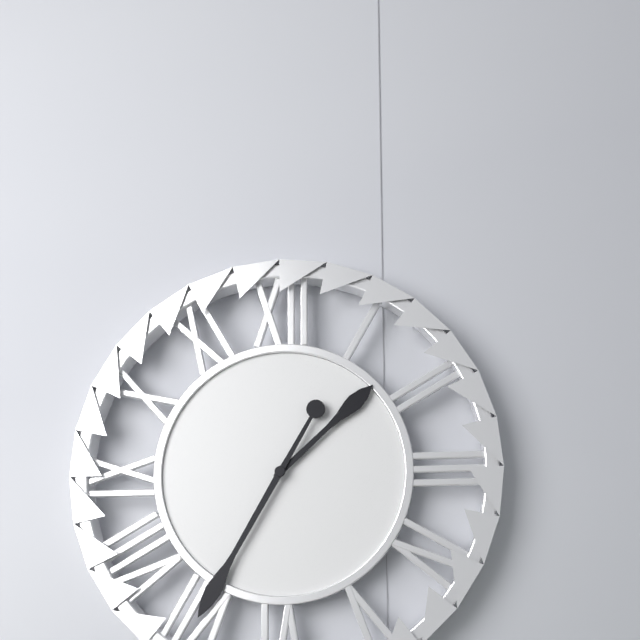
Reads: **1:35**
